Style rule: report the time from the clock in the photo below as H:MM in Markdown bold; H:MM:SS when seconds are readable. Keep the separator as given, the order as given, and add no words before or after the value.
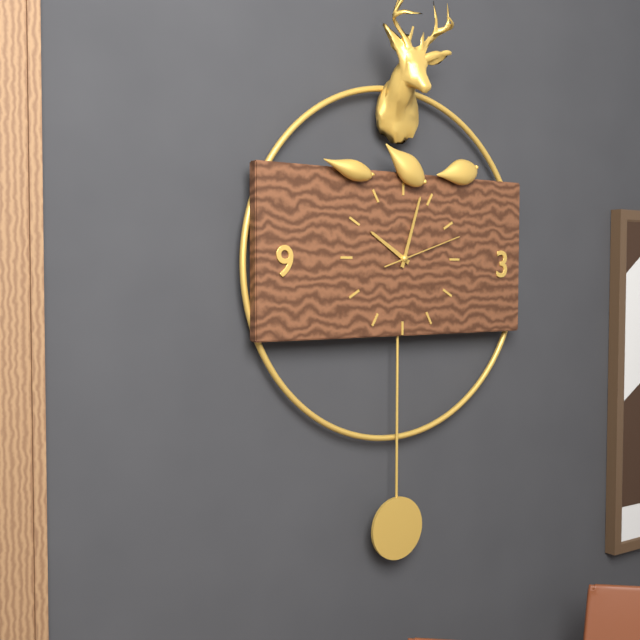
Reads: **10:03:12**
